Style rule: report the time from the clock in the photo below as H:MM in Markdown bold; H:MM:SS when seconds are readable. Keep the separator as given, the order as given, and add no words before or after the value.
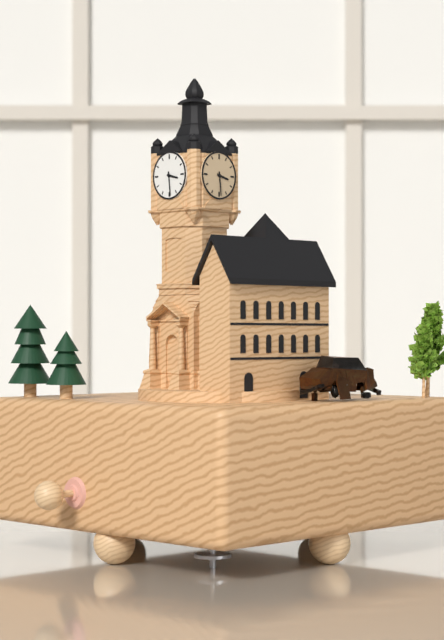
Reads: **3:29**
